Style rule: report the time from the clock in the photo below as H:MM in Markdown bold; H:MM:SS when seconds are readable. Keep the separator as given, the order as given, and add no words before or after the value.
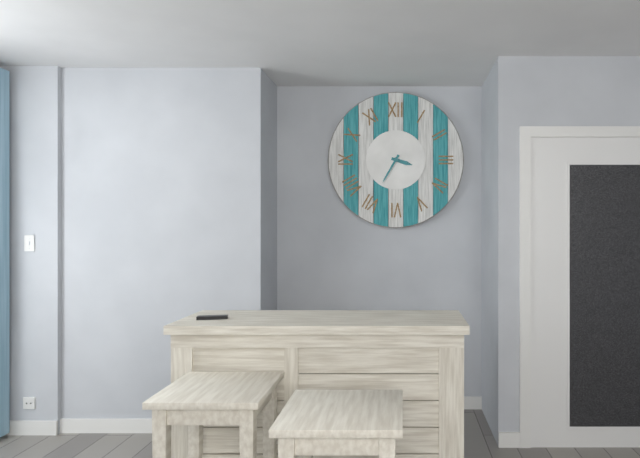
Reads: **3:35**
